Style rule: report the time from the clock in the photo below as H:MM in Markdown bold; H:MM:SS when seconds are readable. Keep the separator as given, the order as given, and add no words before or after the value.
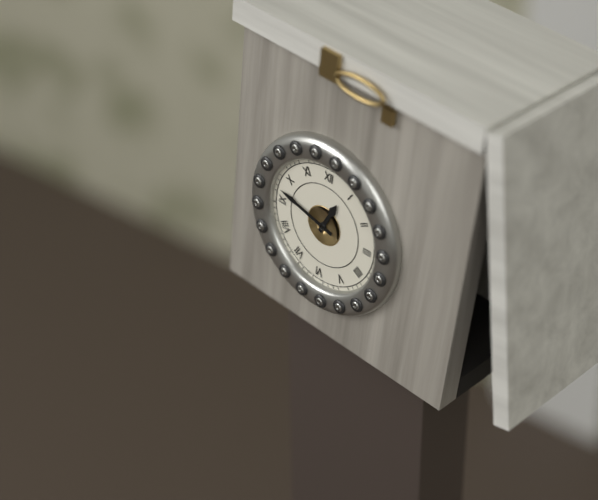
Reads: **12:47**
